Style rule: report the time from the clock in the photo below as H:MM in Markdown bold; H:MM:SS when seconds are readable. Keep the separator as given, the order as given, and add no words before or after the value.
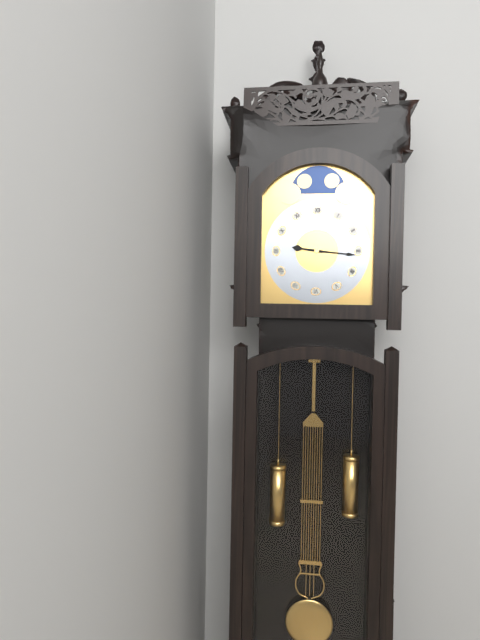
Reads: **9:16**
